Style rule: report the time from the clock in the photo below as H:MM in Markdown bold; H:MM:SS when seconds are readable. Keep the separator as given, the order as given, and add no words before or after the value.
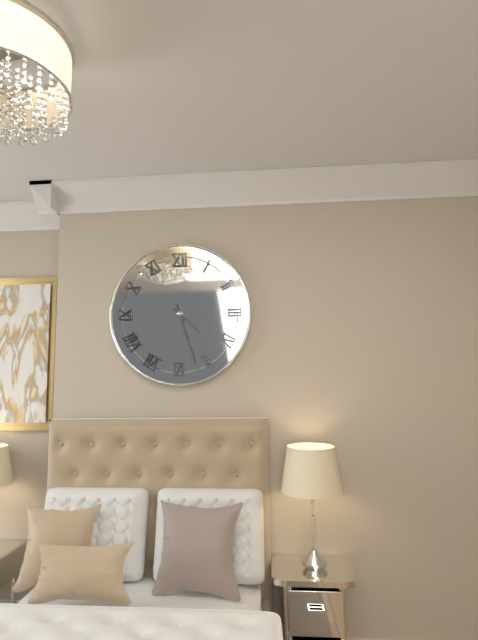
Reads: **4:27**
